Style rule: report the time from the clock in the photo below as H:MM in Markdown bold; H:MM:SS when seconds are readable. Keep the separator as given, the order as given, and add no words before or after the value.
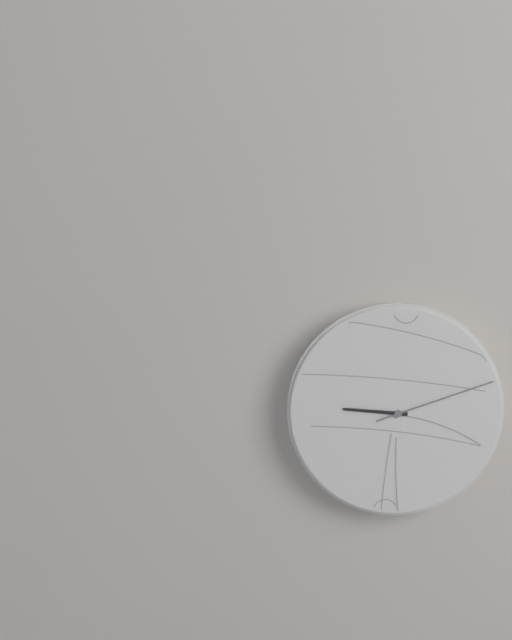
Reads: **9:12**
